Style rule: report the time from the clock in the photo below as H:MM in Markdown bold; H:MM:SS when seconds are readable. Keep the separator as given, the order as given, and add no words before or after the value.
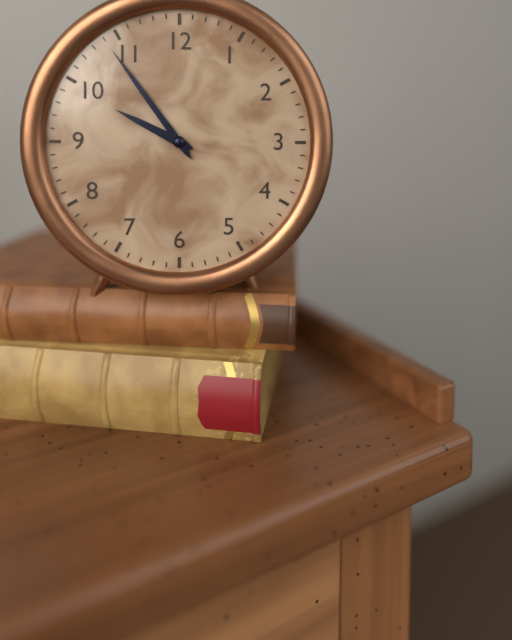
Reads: **9:54**
